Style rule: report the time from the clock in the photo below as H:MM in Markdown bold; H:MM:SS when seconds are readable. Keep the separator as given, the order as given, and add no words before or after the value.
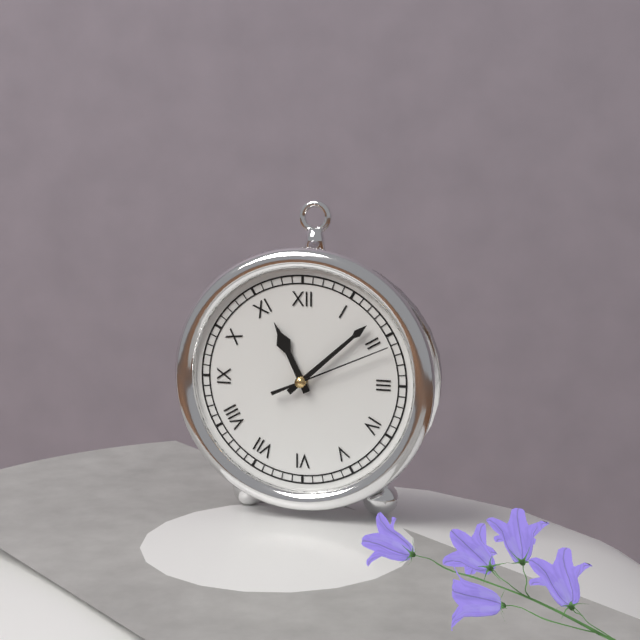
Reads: **11:08:11**
